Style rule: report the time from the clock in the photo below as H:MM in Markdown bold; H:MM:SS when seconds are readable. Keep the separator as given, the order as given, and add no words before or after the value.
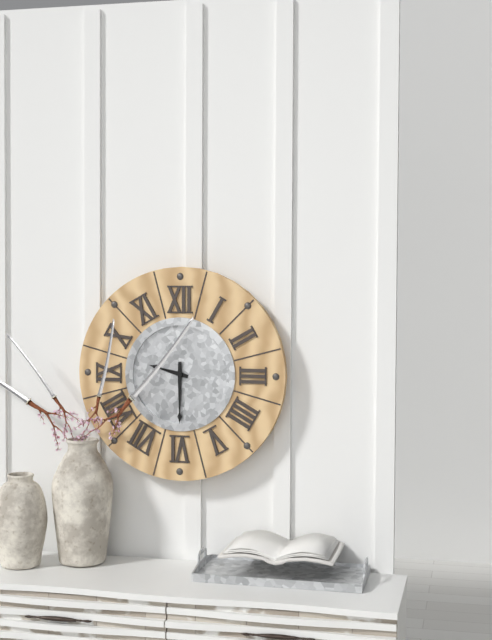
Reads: **9:30**
